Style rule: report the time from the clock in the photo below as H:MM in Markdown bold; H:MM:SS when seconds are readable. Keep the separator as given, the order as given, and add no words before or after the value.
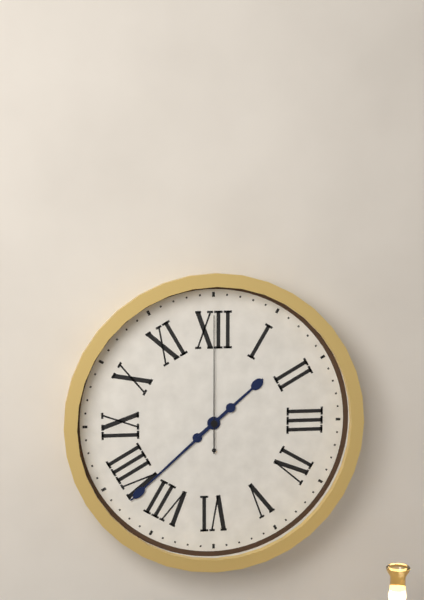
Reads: **1:38:00**
